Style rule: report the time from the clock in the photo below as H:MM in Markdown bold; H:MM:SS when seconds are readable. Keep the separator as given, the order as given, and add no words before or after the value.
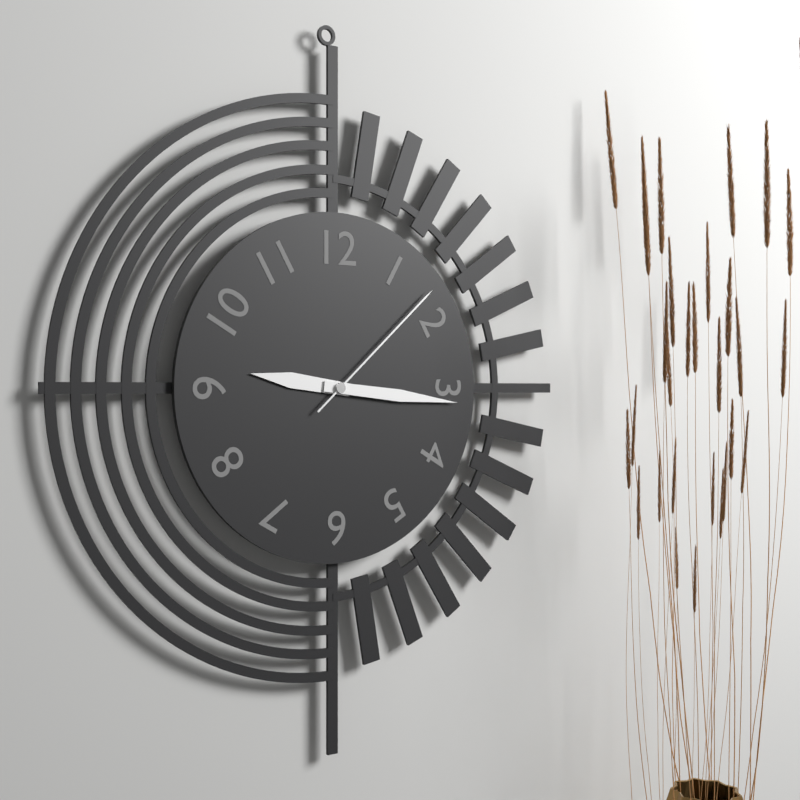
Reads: **9:16:08**
